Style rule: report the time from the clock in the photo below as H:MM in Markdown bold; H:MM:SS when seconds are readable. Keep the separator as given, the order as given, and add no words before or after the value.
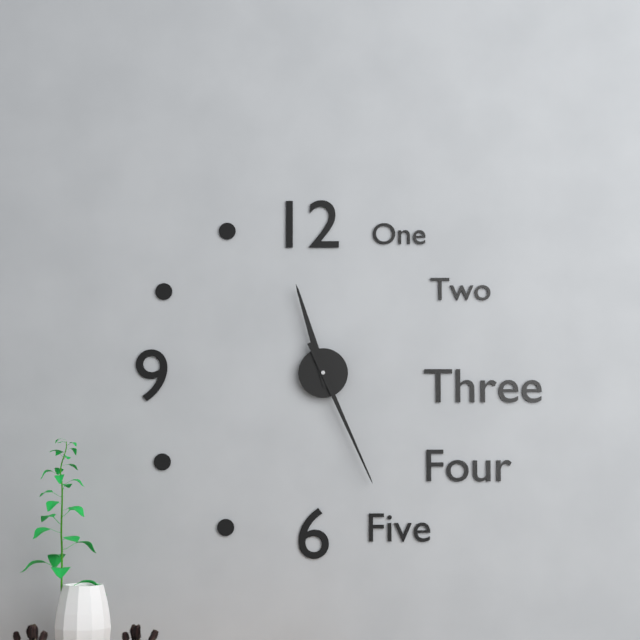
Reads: **11:26**
